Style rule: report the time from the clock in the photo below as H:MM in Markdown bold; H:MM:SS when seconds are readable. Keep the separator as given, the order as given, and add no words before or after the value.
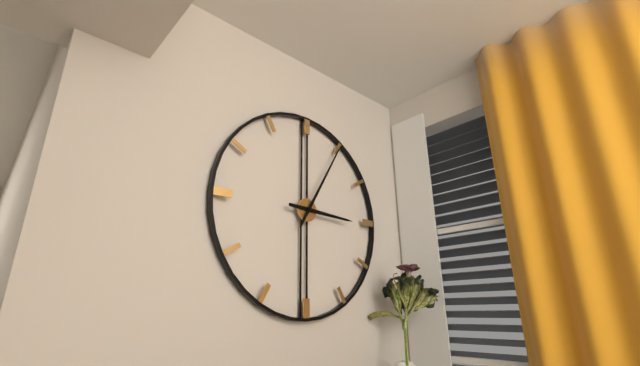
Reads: **3:05**
